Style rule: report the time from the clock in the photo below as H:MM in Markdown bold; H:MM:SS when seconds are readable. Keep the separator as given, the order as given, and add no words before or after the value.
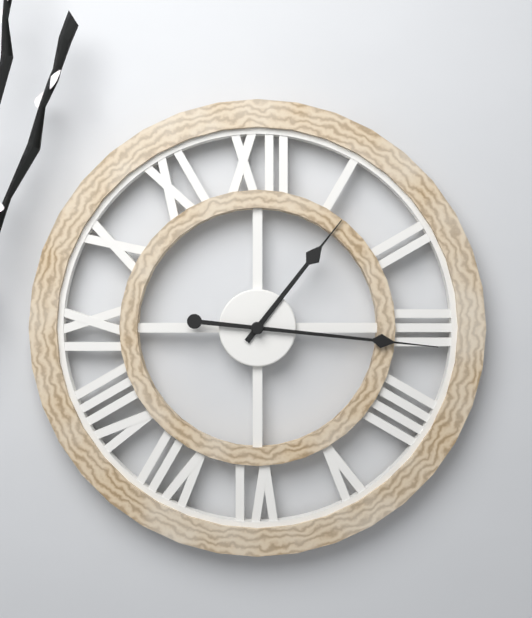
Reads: **1:16**
